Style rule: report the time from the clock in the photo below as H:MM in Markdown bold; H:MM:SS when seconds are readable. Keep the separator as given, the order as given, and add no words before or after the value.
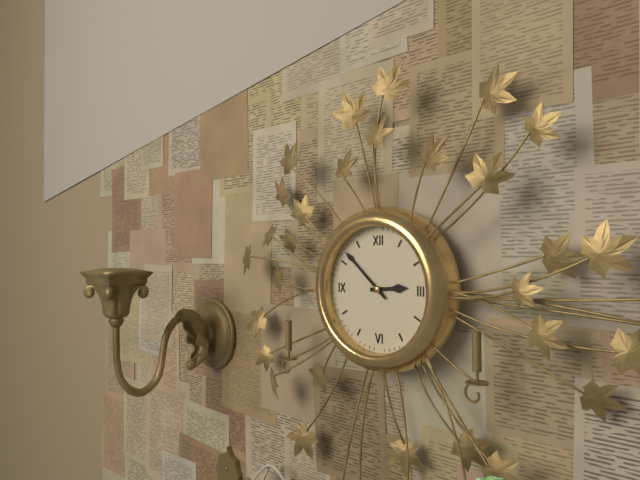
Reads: **2:52**
